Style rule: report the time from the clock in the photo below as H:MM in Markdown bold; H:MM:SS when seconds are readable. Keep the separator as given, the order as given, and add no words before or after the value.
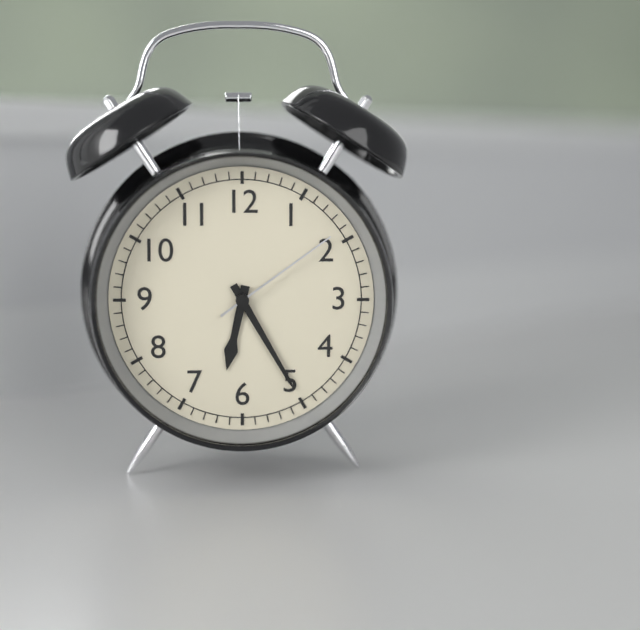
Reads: **6:25:09**
